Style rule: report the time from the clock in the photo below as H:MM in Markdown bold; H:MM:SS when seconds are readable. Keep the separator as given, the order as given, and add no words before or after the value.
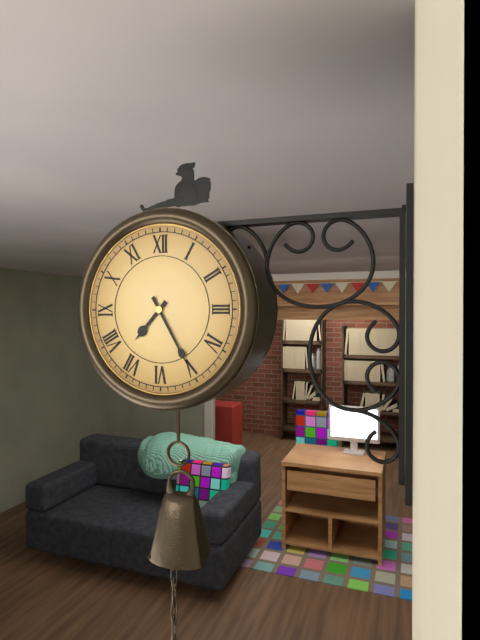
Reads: **7:25**
